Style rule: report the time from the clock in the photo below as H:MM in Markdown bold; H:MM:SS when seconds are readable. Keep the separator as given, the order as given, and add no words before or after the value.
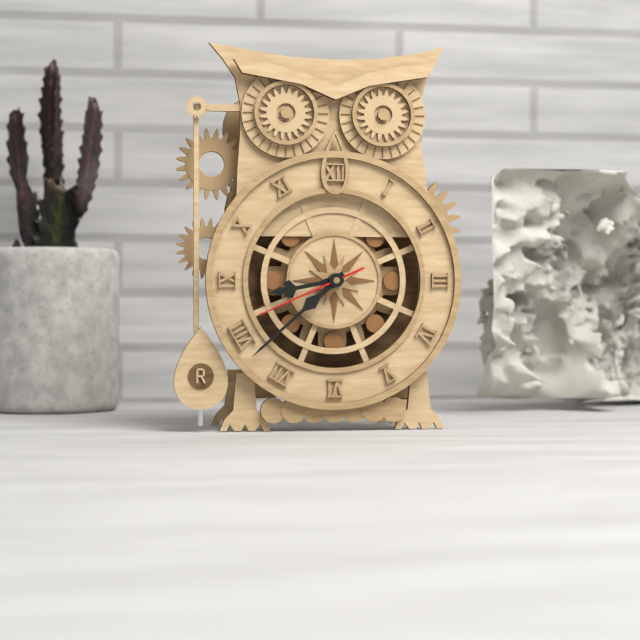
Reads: **8:38:41**
